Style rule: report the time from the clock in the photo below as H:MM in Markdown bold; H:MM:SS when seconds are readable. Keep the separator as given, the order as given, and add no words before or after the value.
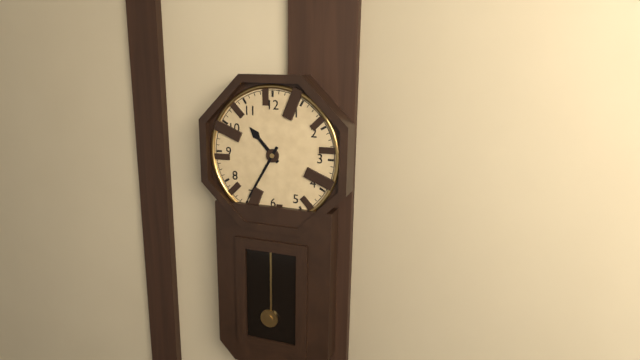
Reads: **10:35**
